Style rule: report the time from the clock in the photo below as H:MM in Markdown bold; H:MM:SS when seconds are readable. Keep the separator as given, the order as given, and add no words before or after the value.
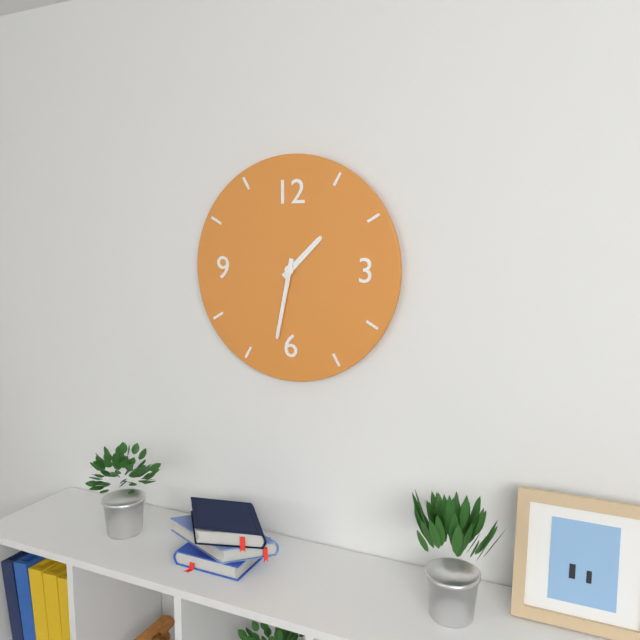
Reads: **1:32**
